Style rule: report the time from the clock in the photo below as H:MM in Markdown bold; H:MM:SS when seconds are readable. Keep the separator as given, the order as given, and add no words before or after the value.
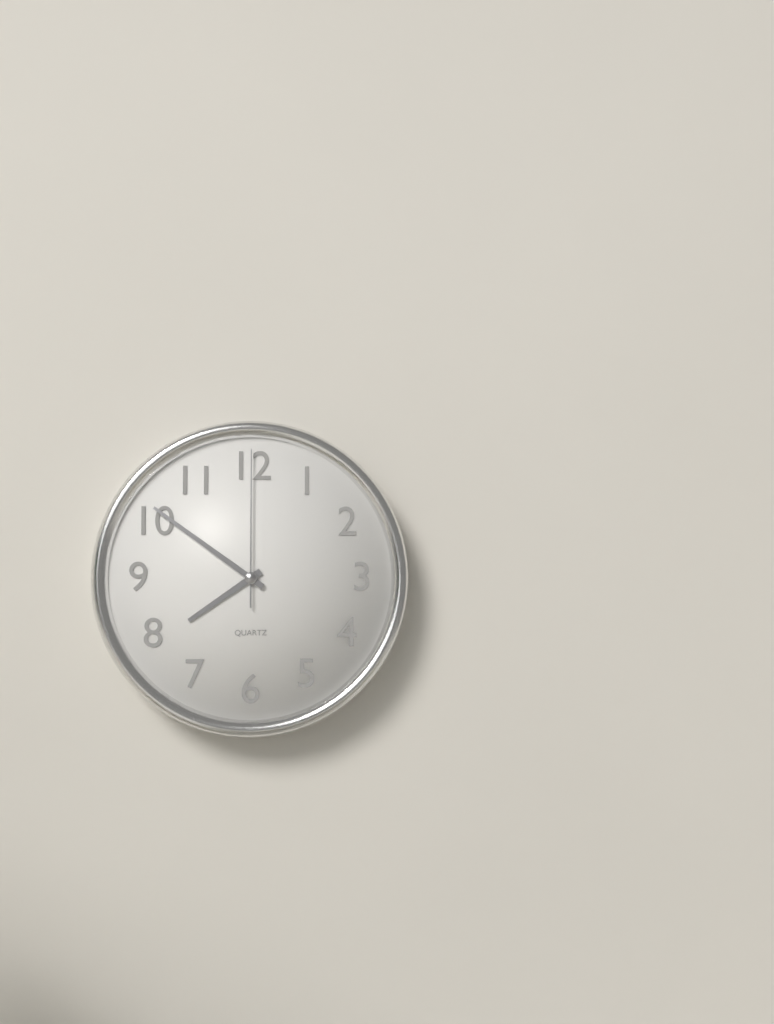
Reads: **7:51:00**
